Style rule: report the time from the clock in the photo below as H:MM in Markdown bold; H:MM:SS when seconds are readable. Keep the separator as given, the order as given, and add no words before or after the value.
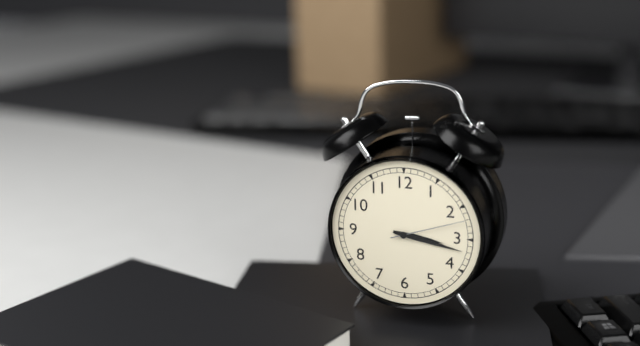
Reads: **3:17:12**
